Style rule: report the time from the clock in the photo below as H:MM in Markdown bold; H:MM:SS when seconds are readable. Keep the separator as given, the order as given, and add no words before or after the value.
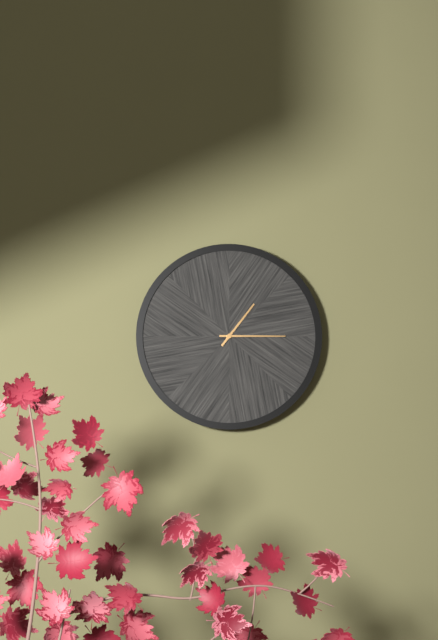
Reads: **1:15**
